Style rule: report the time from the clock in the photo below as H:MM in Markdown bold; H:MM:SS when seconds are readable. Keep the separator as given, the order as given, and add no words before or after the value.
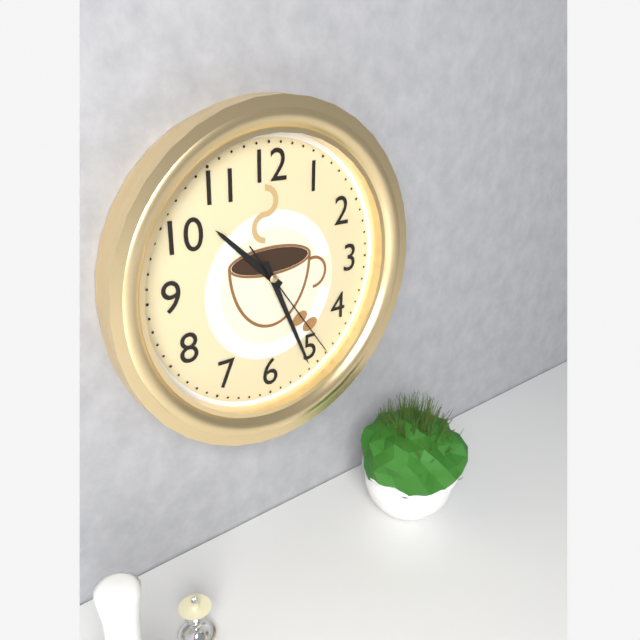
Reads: **10:26:24**
